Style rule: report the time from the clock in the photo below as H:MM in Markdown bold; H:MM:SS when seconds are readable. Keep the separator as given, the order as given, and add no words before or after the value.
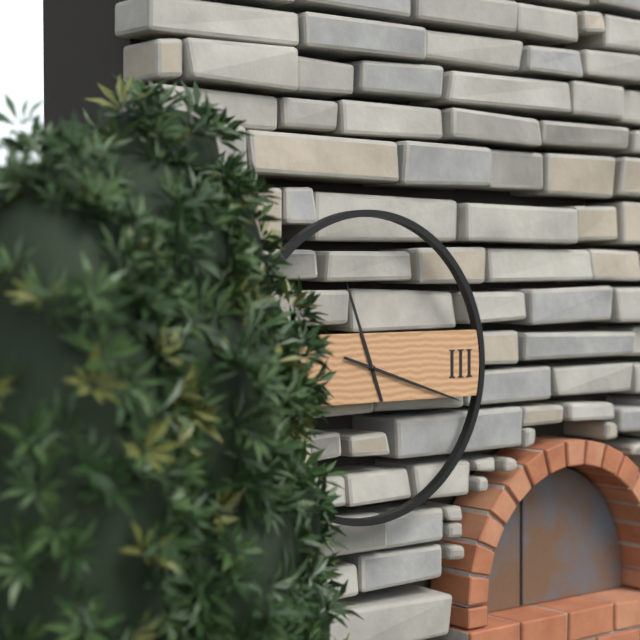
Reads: **11:18**
